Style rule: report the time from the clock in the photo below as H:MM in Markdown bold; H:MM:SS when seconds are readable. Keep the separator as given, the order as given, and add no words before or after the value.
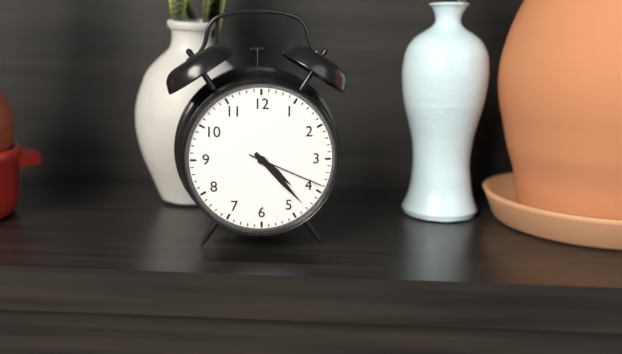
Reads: **4:23:19**
